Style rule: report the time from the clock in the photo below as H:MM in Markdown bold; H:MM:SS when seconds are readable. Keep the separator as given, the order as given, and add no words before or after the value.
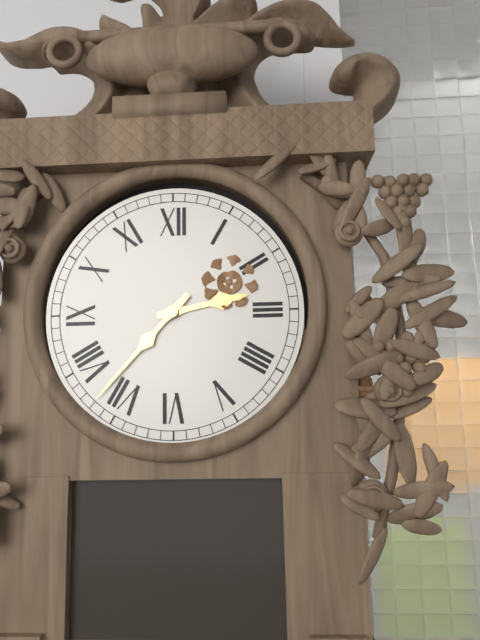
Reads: **2:37**
